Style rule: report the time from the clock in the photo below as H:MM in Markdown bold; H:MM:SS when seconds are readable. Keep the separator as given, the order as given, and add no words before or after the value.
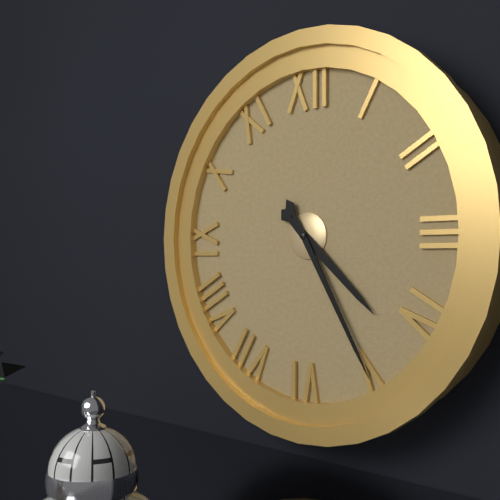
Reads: **4:25**
